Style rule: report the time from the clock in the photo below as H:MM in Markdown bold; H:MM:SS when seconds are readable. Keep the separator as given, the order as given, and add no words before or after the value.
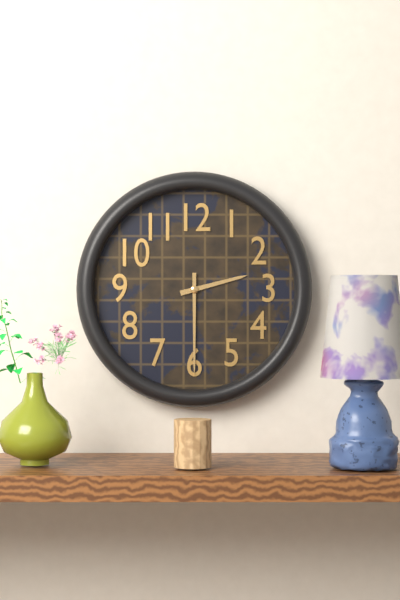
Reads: **2:30**
